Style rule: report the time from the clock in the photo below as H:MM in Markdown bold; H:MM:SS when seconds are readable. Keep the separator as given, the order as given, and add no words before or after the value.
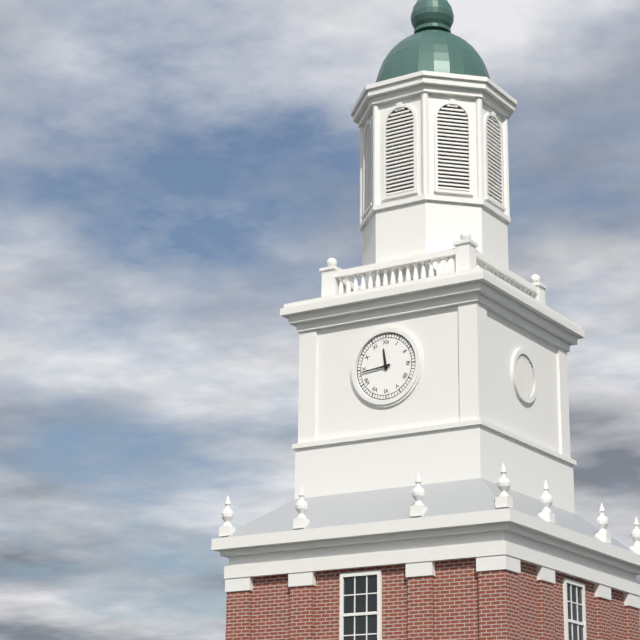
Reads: **11:44**
